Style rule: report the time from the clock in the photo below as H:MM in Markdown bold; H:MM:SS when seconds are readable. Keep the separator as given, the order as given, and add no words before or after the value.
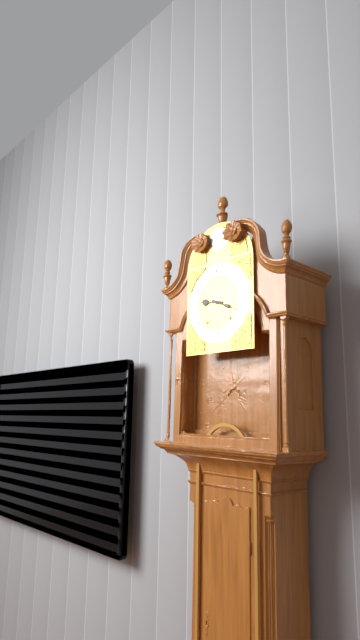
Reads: **9:19**
